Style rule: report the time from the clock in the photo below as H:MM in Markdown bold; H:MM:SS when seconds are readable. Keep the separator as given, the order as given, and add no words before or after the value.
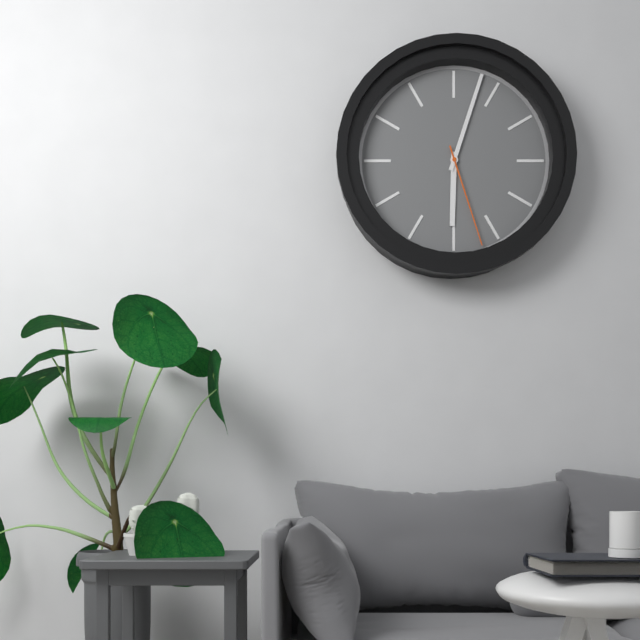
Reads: **6:03:27**
